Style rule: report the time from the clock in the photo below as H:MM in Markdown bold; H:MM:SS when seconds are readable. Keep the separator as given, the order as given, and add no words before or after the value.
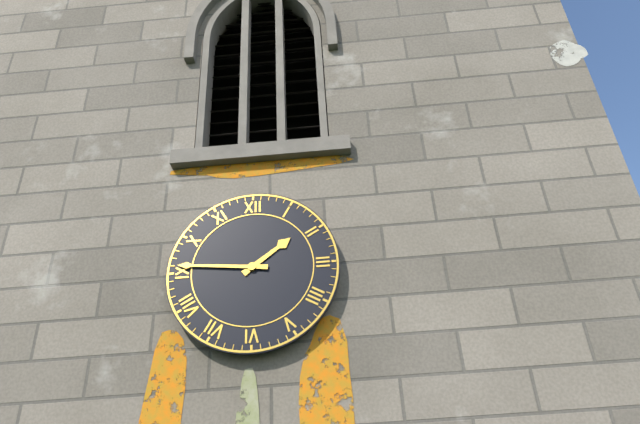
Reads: **1:46**
